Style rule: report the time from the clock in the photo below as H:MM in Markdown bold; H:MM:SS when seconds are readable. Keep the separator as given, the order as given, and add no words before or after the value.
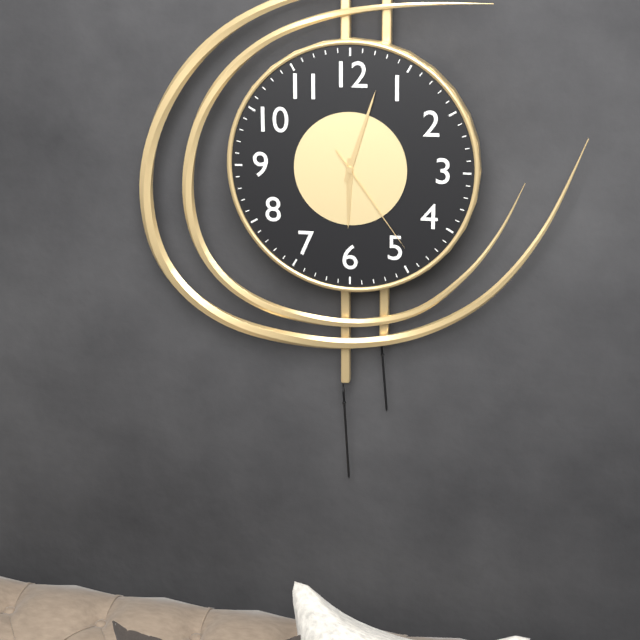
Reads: **6:03:24**
